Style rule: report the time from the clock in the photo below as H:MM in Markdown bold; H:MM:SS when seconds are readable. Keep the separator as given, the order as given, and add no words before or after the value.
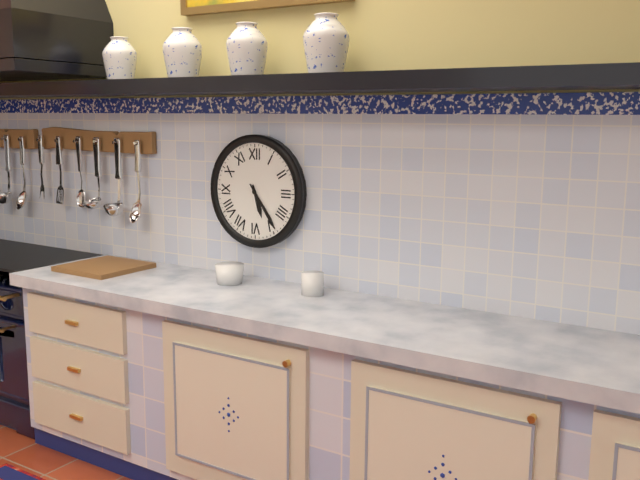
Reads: **5:24**
